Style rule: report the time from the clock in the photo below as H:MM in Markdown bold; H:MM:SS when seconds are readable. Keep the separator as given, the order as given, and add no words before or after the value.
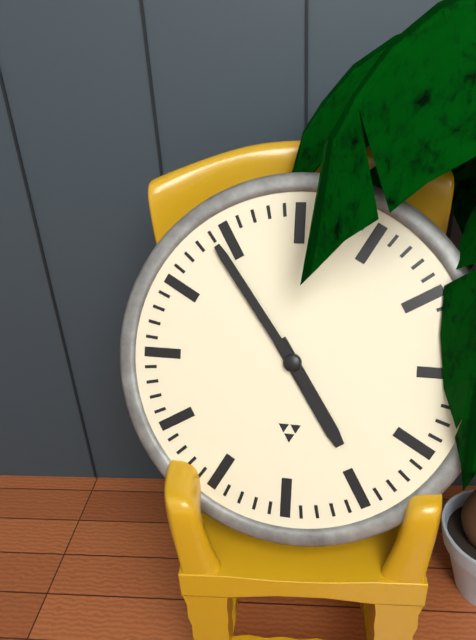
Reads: **4:54**
